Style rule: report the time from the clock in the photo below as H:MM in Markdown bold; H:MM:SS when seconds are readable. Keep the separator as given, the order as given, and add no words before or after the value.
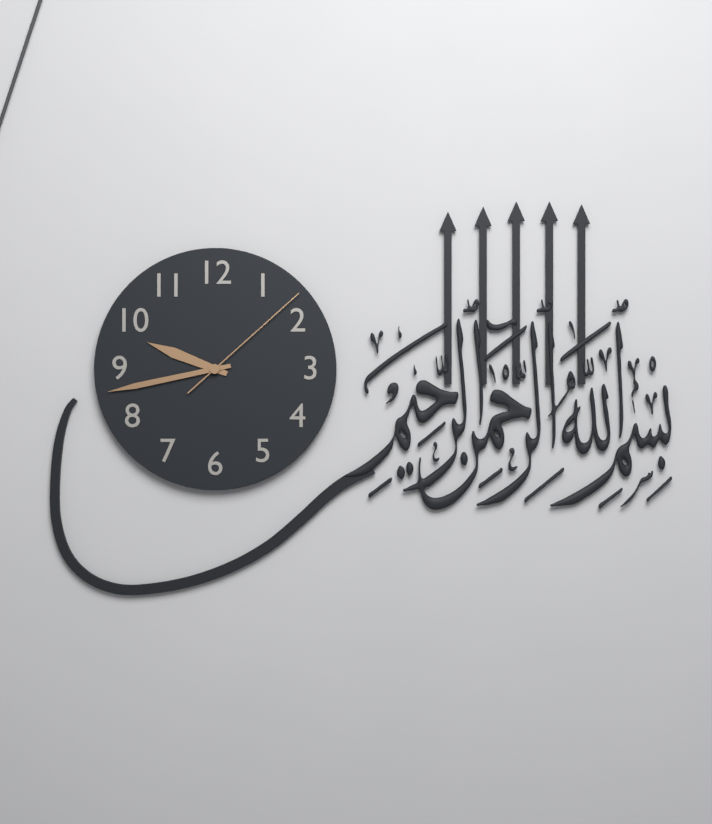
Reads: **9:43:08**
